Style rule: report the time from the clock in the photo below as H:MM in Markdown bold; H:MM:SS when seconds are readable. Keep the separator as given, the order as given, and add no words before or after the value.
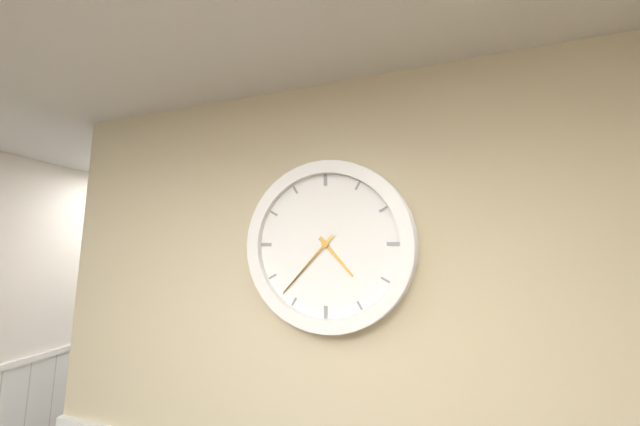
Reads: **4:37**
